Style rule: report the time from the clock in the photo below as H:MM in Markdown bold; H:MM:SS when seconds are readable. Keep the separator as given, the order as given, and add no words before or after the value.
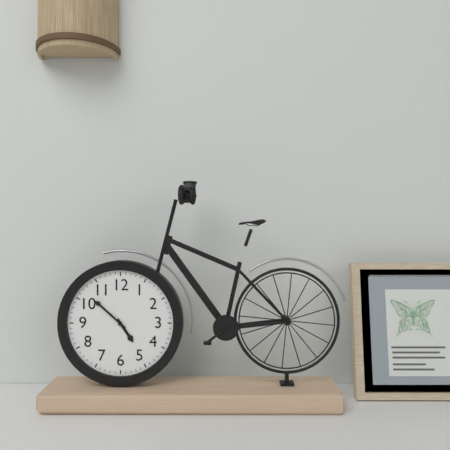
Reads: **4:52**
